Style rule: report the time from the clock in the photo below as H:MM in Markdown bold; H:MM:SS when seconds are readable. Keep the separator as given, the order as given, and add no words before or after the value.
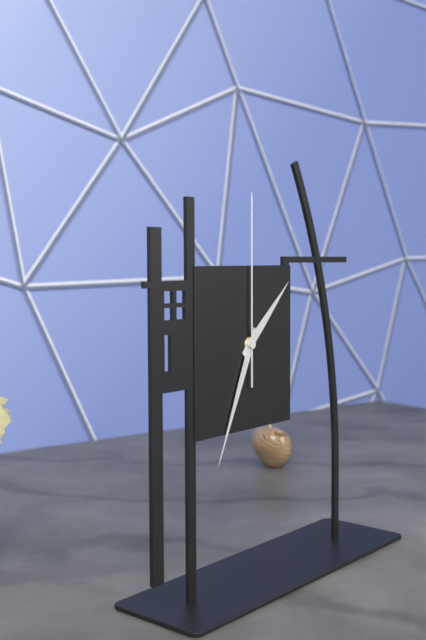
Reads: **1:34:00**
